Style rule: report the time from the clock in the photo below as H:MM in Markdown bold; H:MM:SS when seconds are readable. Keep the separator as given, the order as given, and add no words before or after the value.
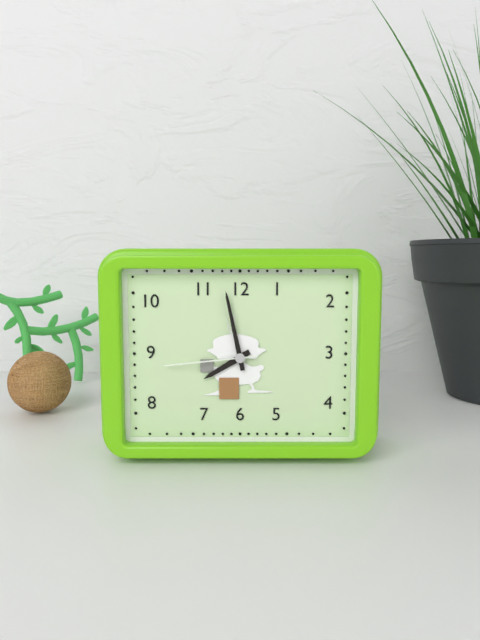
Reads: **7:58:44**
